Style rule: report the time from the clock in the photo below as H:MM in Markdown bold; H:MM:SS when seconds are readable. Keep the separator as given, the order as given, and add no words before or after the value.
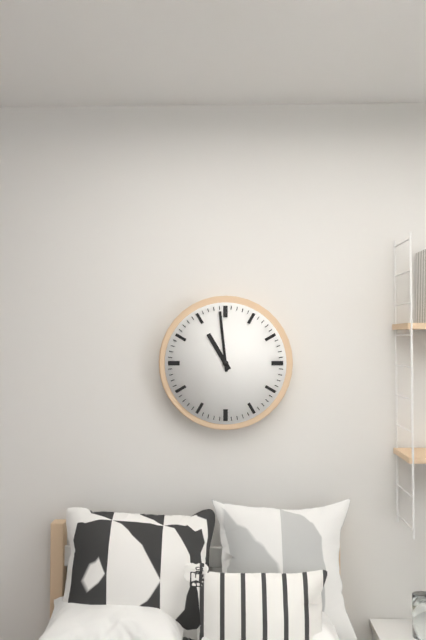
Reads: **10:59**
